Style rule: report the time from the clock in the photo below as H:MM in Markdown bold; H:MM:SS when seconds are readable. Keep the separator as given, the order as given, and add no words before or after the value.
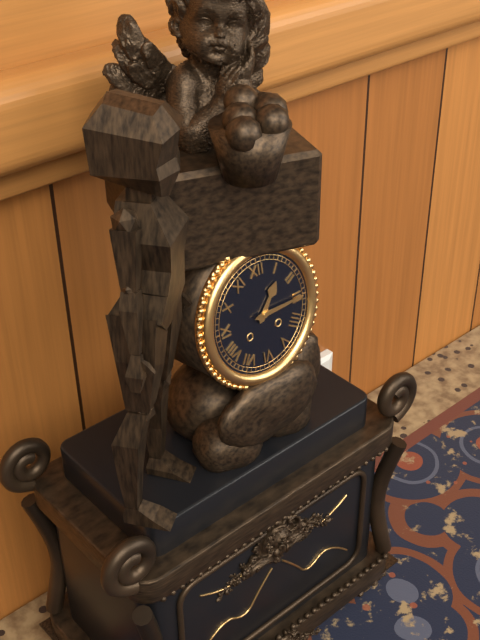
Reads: **1:15**
